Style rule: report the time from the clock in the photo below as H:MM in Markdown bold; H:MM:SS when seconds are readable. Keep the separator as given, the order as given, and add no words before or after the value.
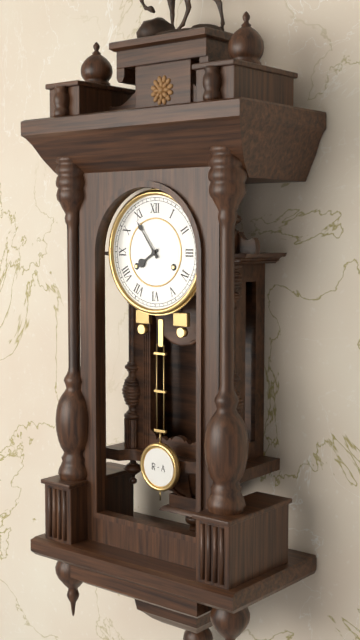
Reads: **7:54**
